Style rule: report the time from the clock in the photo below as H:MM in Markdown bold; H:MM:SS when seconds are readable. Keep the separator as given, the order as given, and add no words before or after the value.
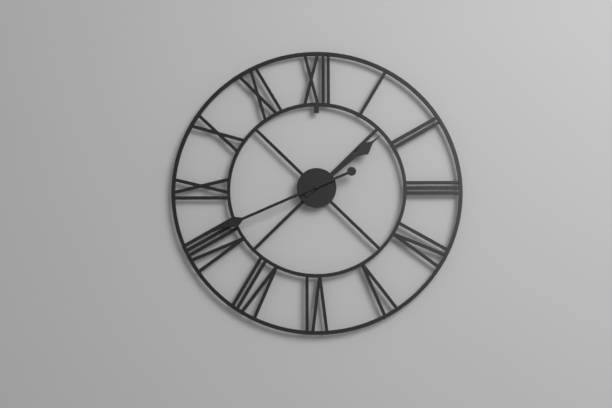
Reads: **1:41**
